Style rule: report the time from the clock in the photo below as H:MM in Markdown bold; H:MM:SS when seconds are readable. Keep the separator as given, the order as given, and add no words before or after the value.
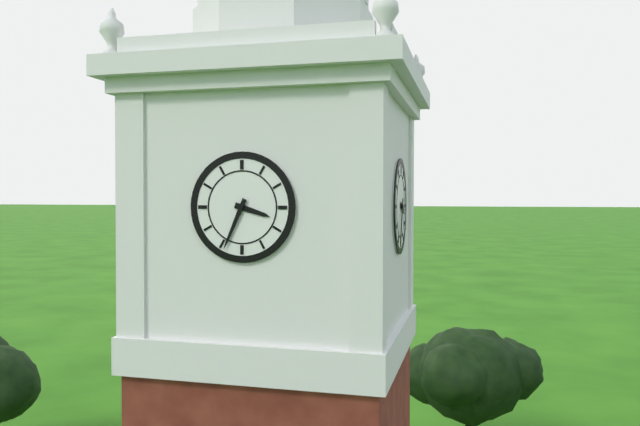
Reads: **3:34**
